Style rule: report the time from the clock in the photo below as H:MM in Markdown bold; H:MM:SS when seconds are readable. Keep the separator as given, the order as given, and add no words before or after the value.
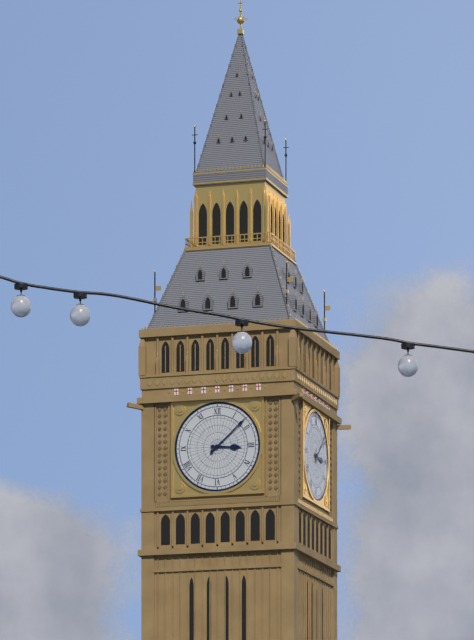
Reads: **3:08**
